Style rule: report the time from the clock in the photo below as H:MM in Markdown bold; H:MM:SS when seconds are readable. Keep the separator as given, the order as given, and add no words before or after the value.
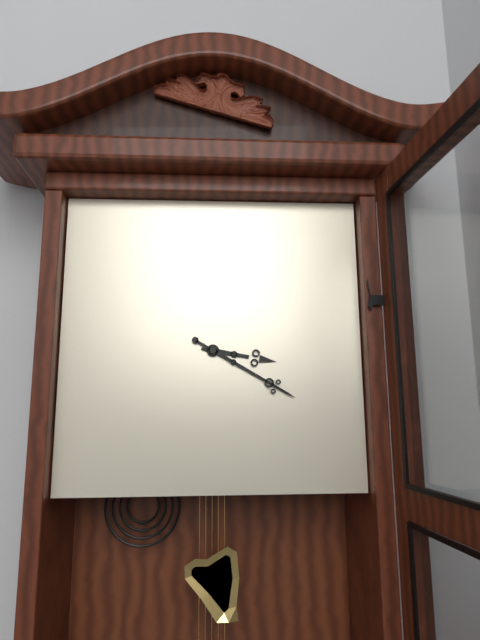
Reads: **3:20**
